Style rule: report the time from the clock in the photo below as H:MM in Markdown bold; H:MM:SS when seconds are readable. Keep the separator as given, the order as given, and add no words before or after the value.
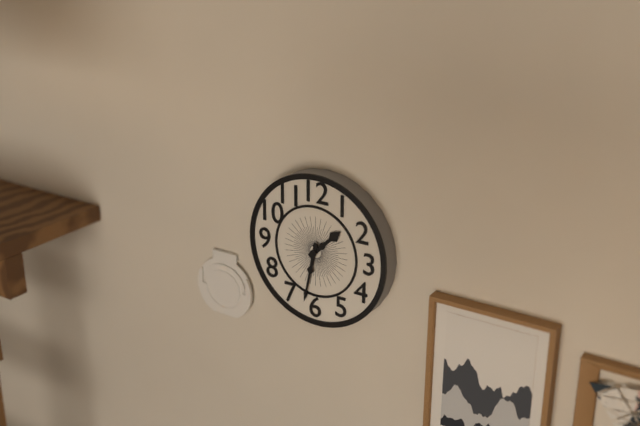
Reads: **1:32**
